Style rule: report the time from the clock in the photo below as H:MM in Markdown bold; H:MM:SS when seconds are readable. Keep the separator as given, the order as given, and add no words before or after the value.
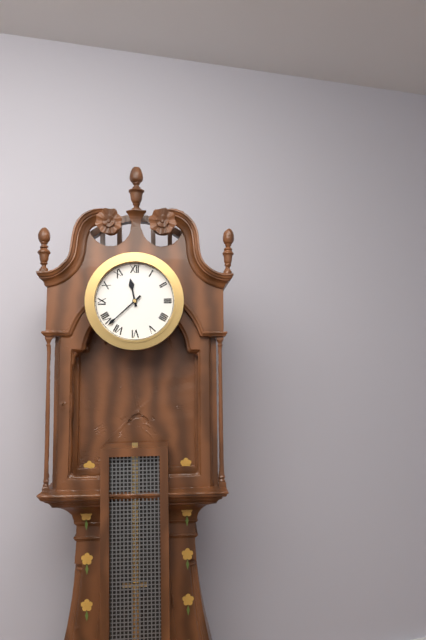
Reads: **11:38**
